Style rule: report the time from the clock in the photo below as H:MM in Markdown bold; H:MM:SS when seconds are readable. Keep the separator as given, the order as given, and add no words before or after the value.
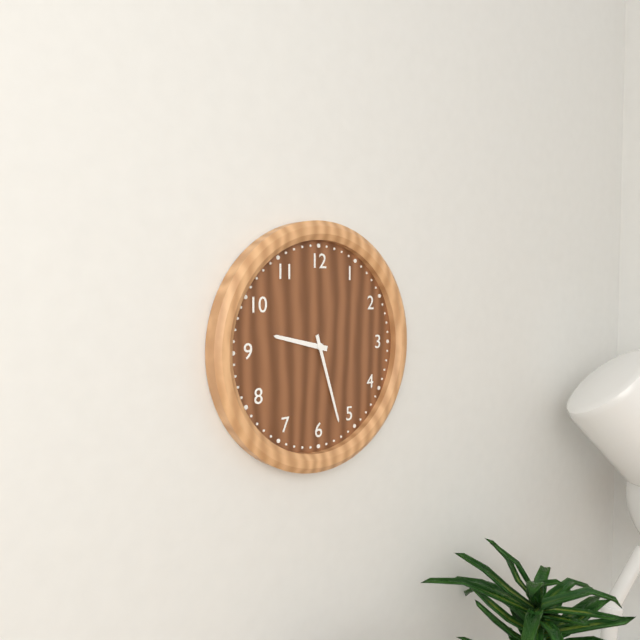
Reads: **9:27**
